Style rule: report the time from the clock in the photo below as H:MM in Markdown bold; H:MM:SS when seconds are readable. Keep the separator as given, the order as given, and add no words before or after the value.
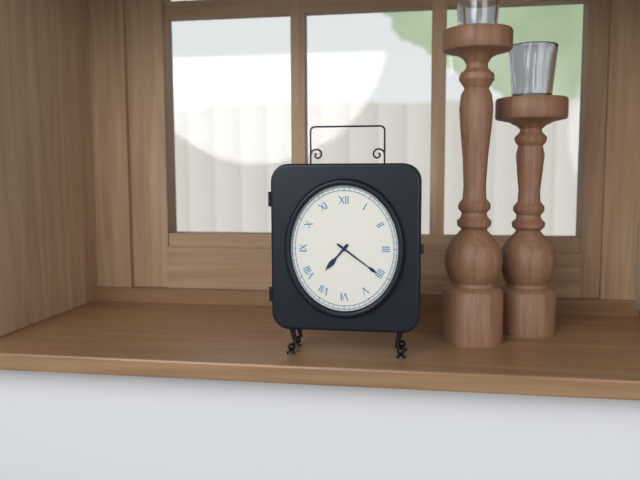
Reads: **7:21**
